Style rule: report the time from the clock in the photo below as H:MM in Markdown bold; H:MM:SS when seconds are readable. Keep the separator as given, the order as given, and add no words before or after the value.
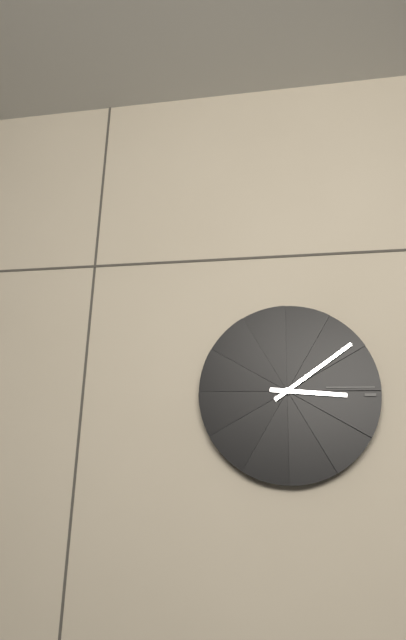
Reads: **3:09**
